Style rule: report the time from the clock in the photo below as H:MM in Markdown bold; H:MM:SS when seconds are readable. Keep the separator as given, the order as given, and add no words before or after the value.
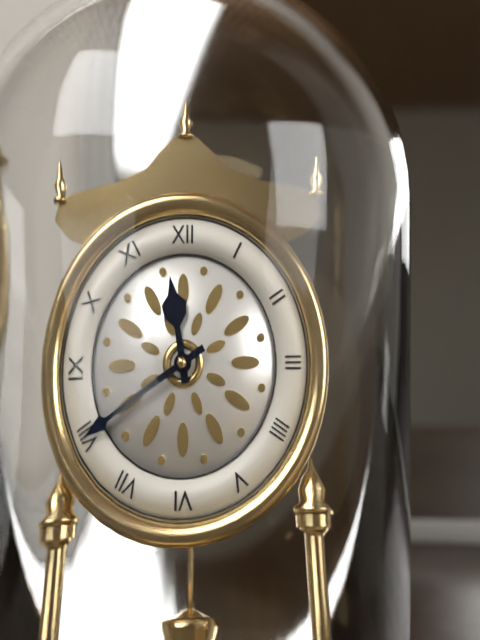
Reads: **11:40**
